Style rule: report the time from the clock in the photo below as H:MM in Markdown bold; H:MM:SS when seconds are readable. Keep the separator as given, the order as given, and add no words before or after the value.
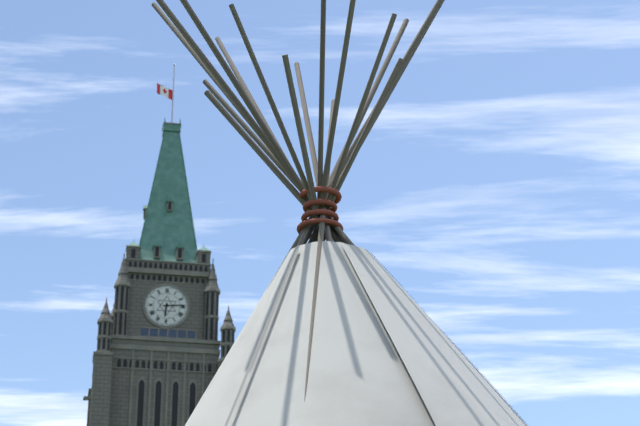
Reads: **6:14**
